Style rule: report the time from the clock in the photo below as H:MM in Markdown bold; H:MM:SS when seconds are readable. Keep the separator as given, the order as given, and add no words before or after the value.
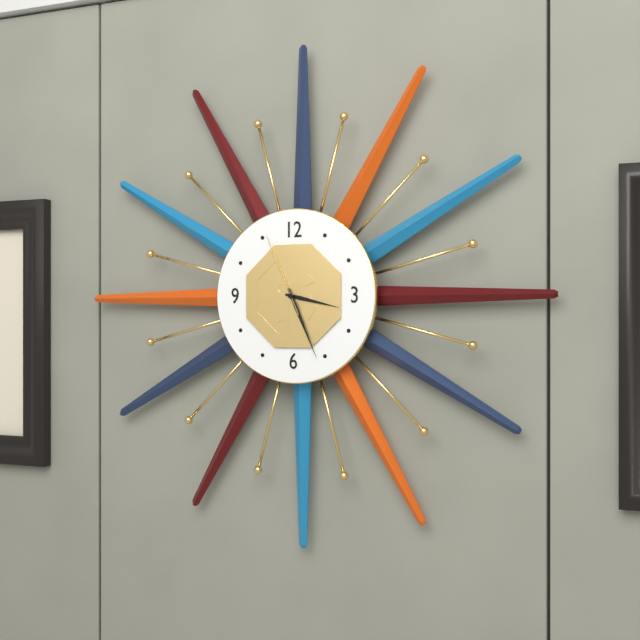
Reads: **3:26:56**
